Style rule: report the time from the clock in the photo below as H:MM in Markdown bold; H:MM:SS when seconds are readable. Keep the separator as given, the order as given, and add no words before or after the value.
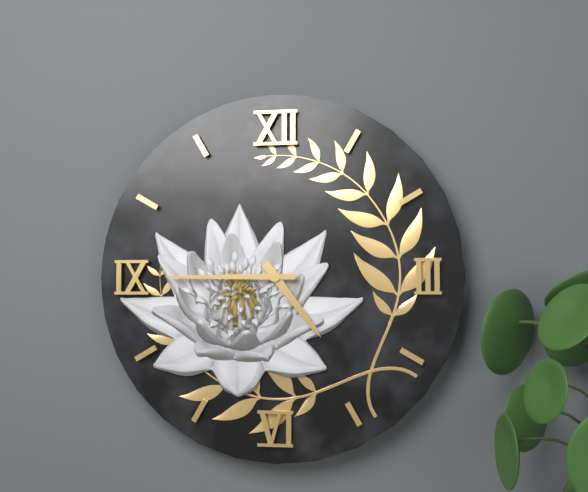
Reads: **4:45**
